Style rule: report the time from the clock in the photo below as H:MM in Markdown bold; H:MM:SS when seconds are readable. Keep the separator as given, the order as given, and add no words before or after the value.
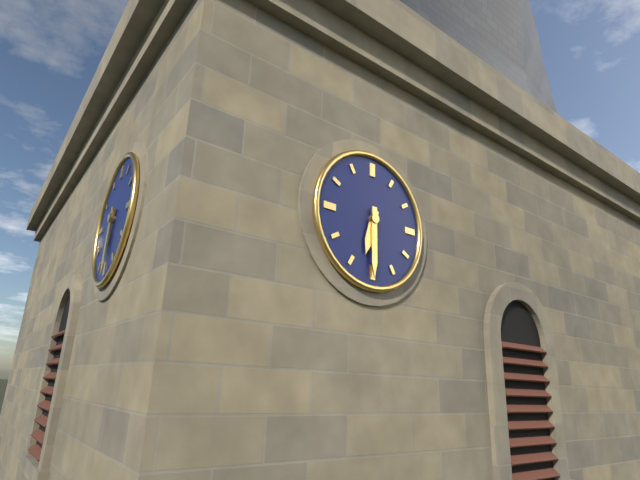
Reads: **6:30**
